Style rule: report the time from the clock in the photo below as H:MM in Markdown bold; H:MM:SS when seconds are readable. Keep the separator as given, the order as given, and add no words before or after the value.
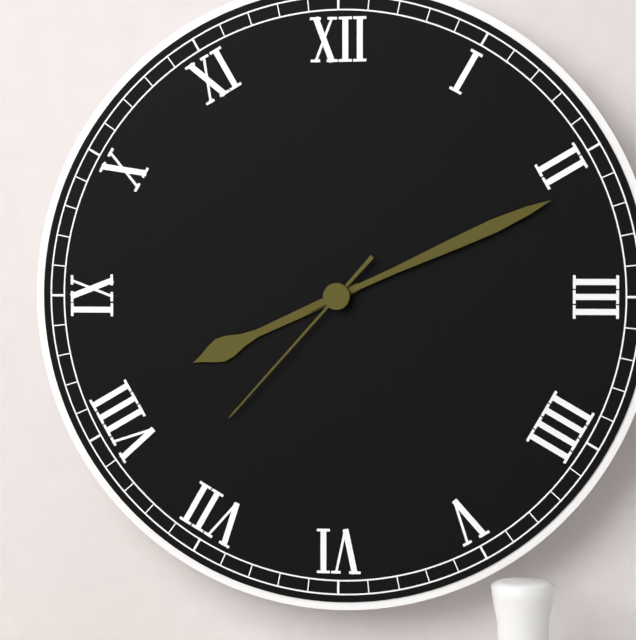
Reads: **8:11:37**
